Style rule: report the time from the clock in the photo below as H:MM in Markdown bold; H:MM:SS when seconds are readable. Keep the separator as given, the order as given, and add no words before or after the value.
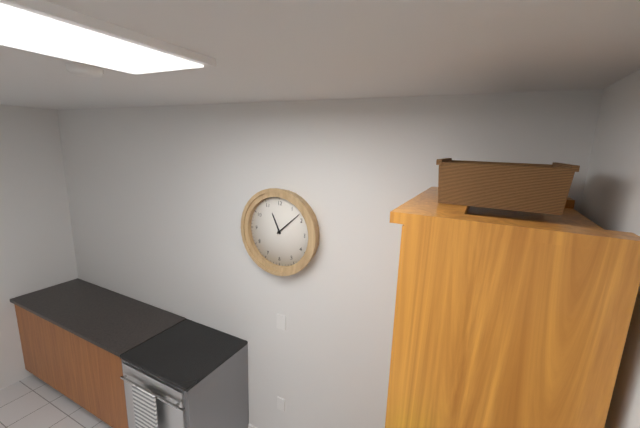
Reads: **11:08**
